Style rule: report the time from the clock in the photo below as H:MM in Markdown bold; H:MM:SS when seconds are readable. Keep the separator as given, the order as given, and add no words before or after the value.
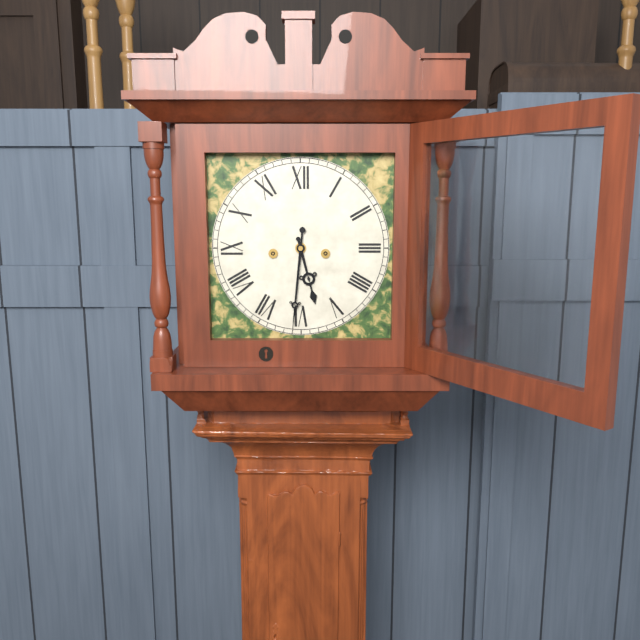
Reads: **5:31**
